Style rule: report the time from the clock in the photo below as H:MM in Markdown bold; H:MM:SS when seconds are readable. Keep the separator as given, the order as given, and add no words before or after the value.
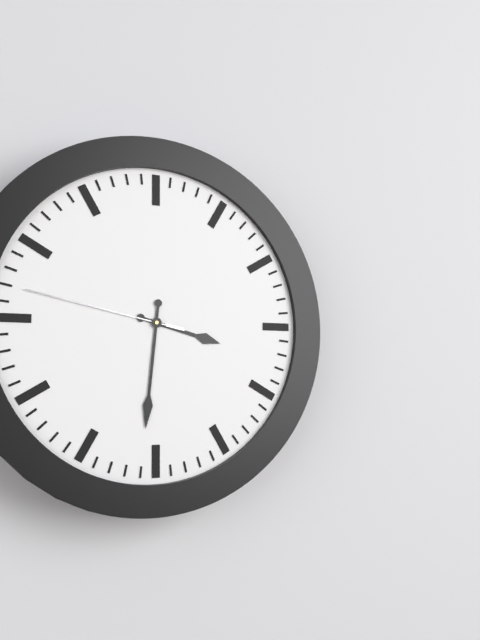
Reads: **3:31:47**
